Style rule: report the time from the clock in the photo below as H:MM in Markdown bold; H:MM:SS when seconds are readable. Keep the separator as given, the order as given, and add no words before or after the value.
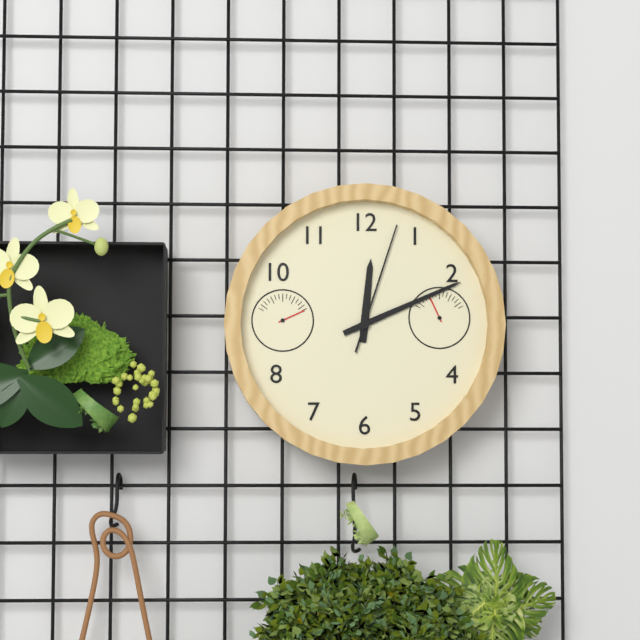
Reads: **12:11:03**
